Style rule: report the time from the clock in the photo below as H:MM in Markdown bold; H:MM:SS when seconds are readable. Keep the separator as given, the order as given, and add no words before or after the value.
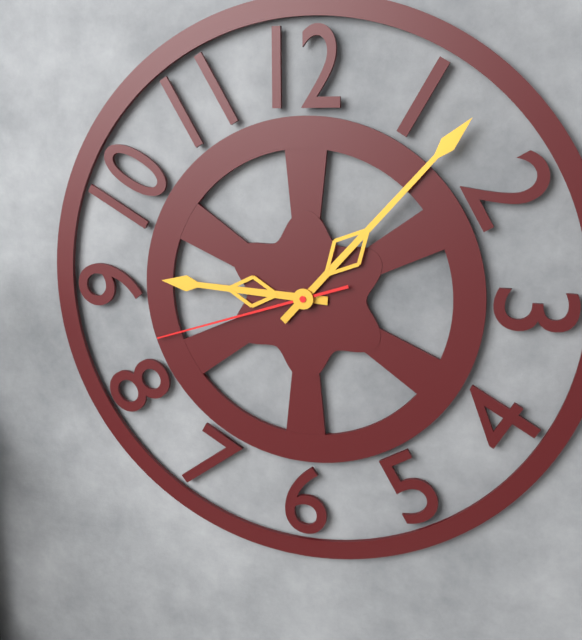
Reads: **9:07:42**
